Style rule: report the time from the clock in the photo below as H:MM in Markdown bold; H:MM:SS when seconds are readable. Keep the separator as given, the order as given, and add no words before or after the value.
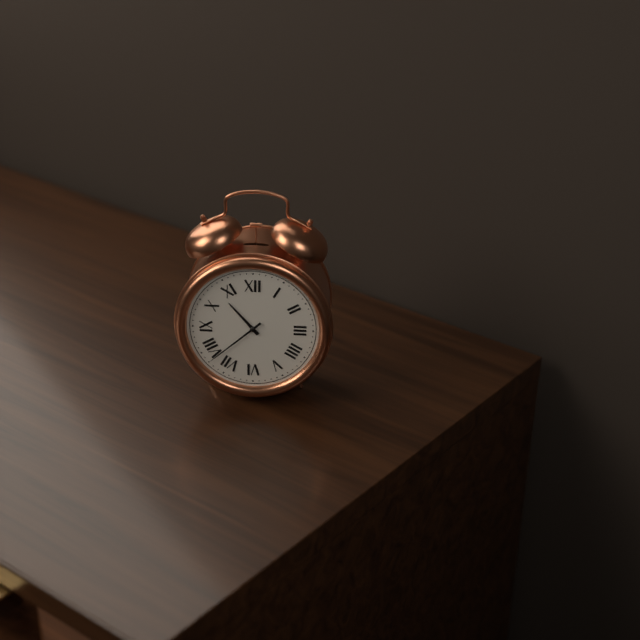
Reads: **10:38**
